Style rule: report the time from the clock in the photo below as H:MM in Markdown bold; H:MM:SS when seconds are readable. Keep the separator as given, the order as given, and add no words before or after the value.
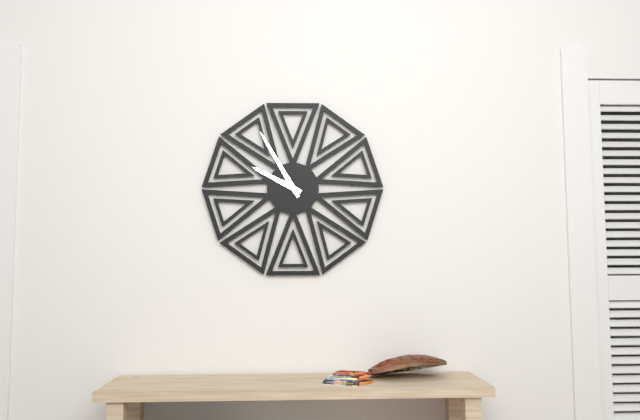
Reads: **9:55**
